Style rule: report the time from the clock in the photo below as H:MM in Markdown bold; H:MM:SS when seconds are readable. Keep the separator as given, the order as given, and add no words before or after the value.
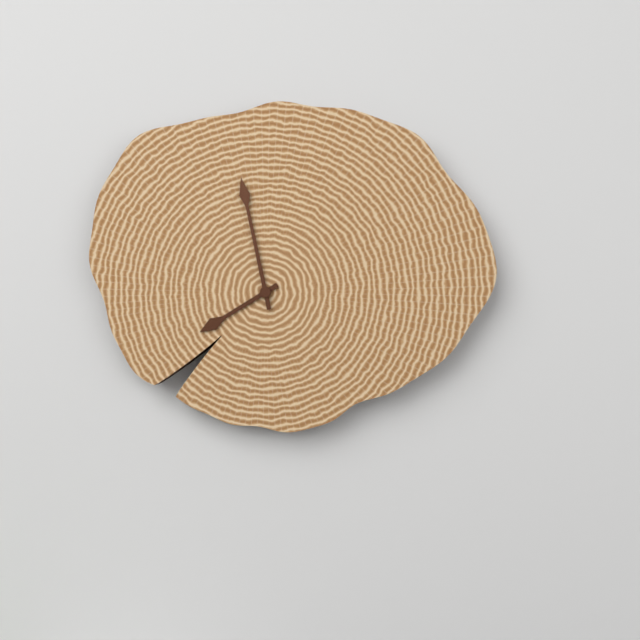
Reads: **7:58**
